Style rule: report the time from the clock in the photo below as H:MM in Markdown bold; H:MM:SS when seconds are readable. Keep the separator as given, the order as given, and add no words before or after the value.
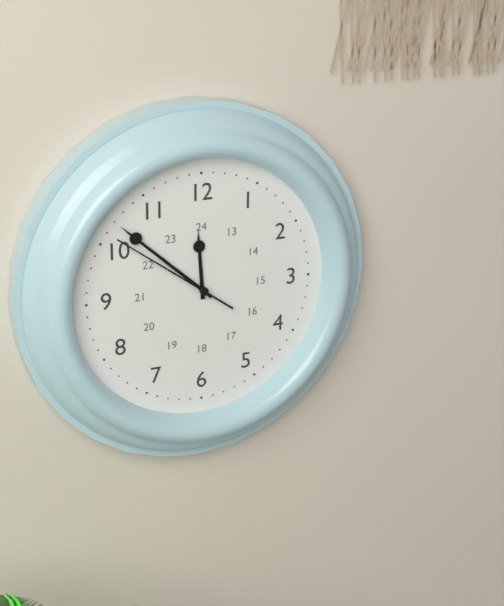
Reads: **11:52:51**
